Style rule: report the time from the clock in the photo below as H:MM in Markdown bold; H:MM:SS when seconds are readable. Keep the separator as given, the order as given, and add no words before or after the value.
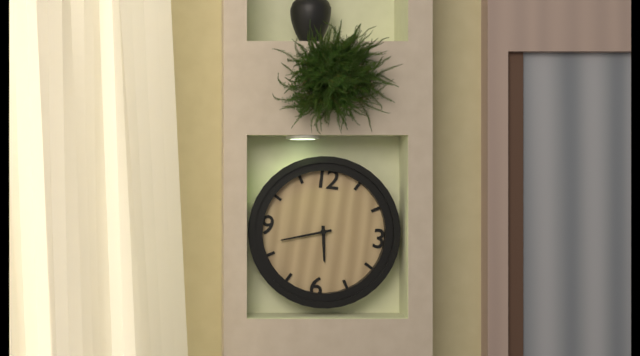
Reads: **5:42**
